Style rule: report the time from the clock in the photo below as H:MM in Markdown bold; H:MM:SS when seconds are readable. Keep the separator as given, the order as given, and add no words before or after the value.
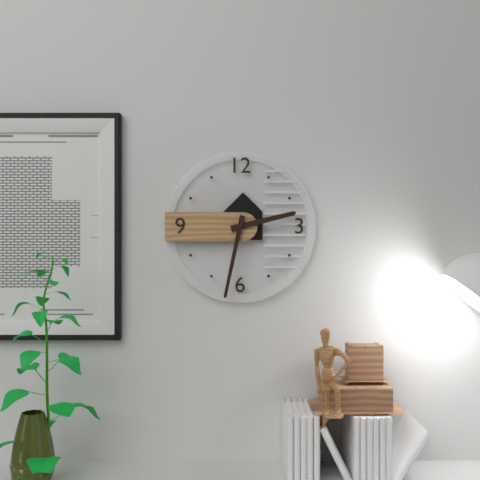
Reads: **2:32**
